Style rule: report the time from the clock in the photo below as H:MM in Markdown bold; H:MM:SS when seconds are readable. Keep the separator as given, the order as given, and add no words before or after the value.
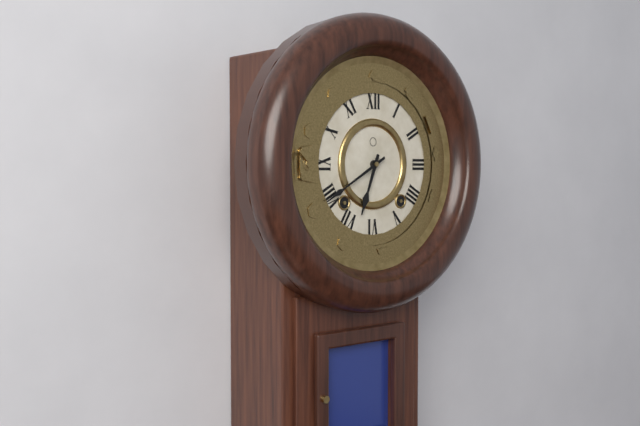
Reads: **6:40**
